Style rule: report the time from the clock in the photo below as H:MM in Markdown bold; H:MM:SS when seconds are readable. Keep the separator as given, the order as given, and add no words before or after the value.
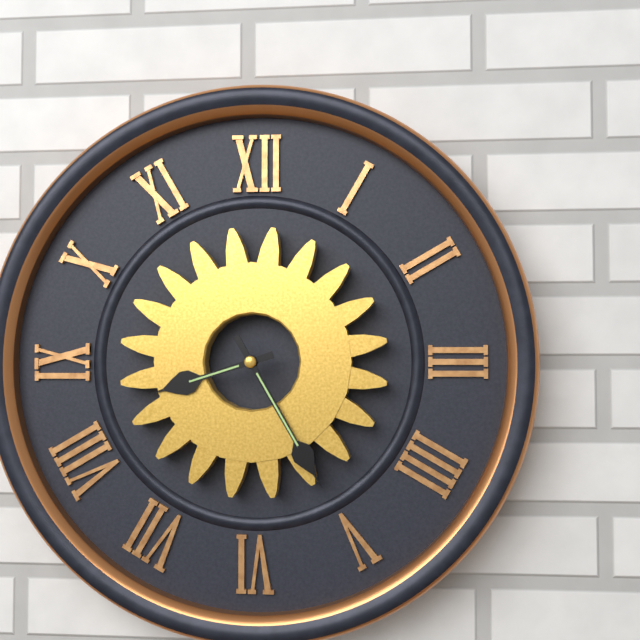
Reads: **8:25**
